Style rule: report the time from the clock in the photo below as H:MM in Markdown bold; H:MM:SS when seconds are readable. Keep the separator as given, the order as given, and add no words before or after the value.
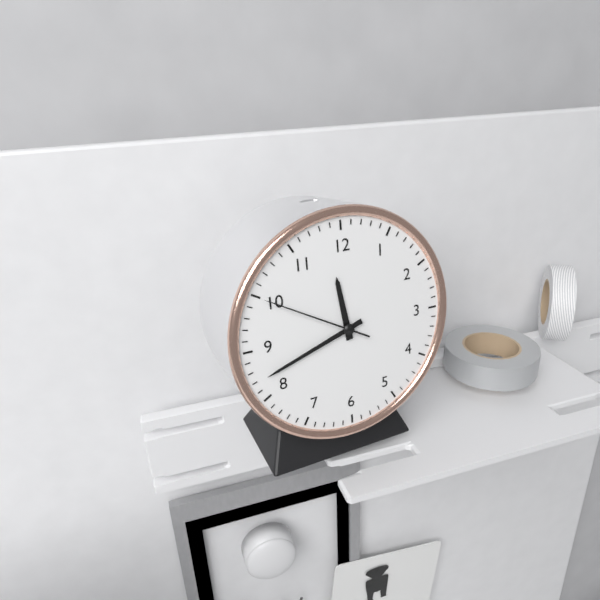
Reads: **11:42:50**
